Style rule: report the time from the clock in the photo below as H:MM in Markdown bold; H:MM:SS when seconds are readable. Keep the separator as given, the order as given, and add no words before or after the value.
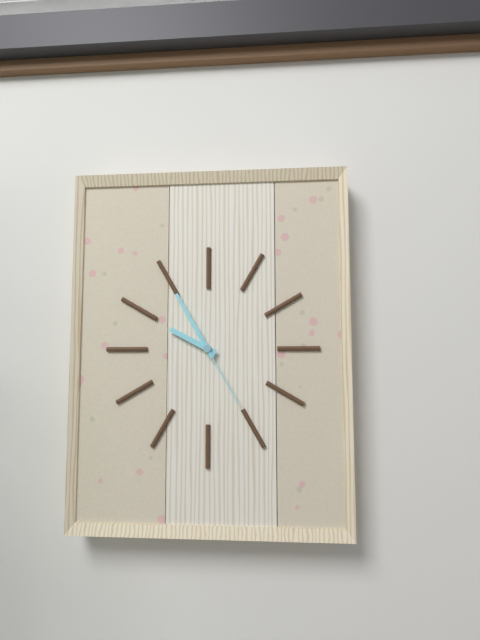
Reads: **9:55:25**
